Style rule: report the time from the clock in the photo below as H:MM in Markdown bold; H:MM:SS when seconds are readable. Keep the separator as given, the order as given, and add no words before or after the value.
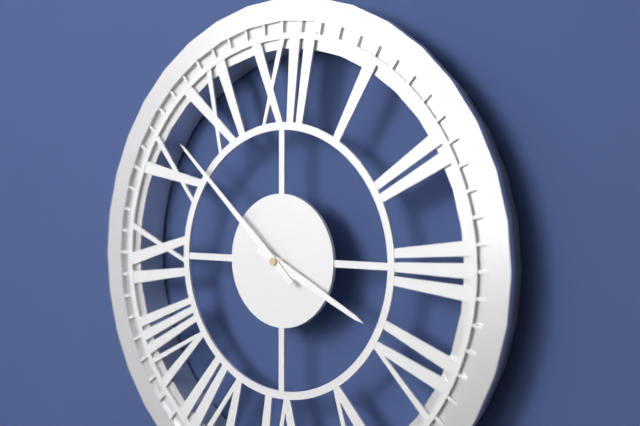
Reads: **3:52**
